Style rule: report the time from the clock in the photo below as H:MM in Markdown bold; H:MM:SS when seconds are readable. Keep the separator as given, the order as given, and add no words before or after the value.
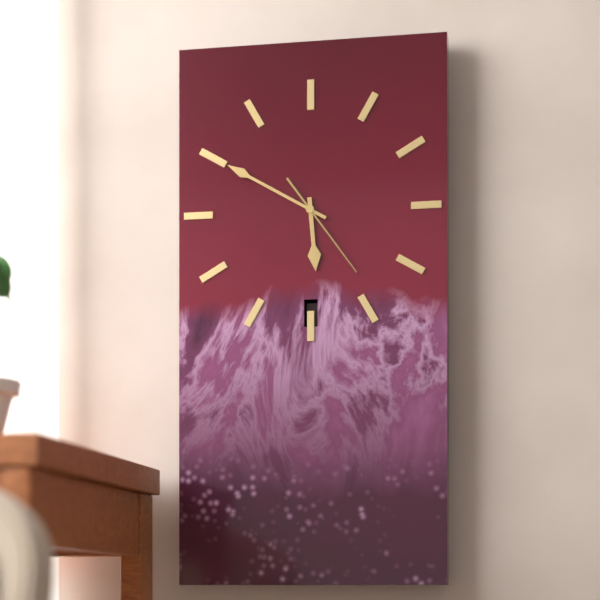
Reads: **5:50:24**
